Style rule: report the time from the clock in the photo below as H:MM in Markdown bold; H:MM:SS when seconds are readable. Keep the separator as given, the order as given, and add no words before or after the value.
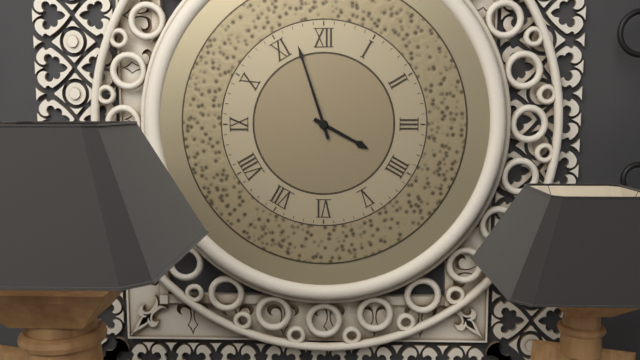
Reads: **3:57**
